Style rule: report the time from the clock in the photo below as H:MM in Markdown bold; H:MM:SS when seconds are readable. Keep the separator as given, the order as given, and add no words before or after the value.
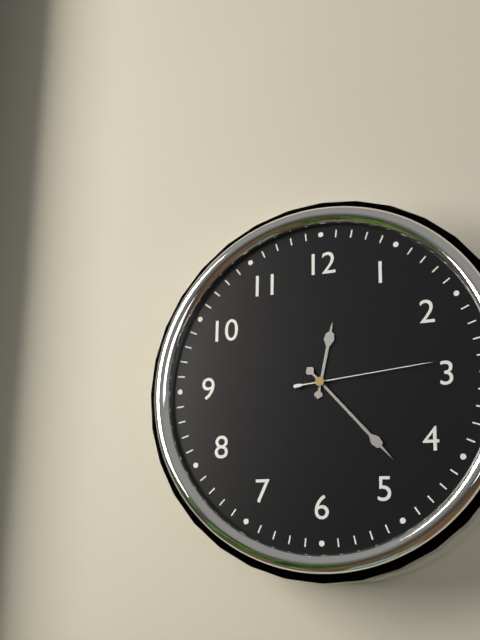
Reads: **12:23:14**
